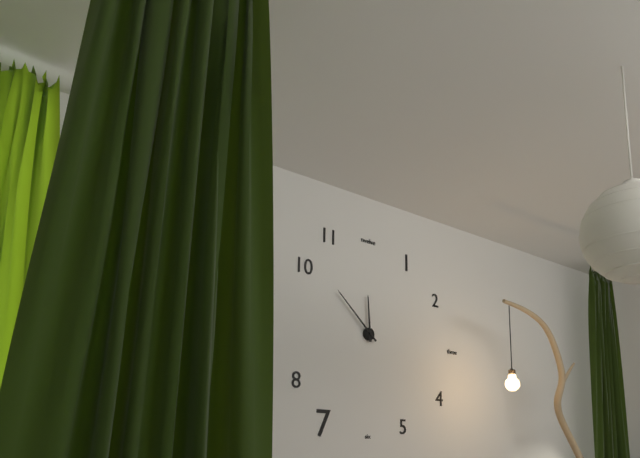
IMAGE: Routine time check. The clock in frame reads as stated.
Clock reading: 11:52
